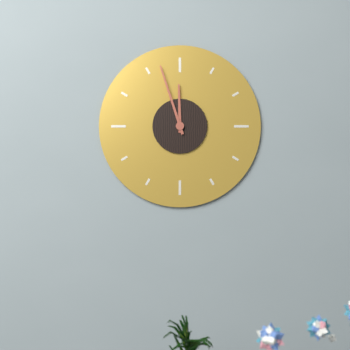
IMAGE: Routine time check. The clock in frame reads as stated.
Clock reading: 11:57
